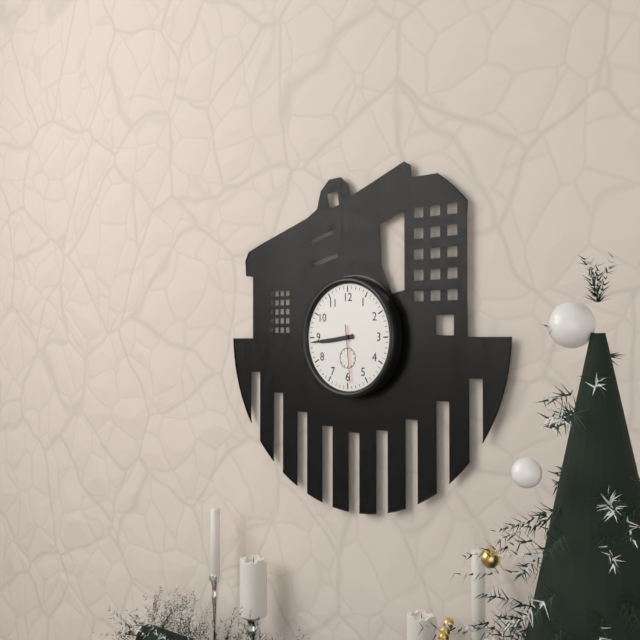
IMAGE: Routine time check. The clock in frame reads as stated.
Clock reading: 8:44:29
